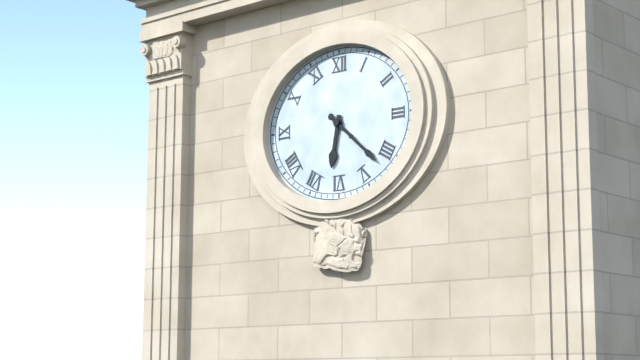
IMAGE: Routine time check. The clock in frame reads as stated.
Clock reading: 6:22
